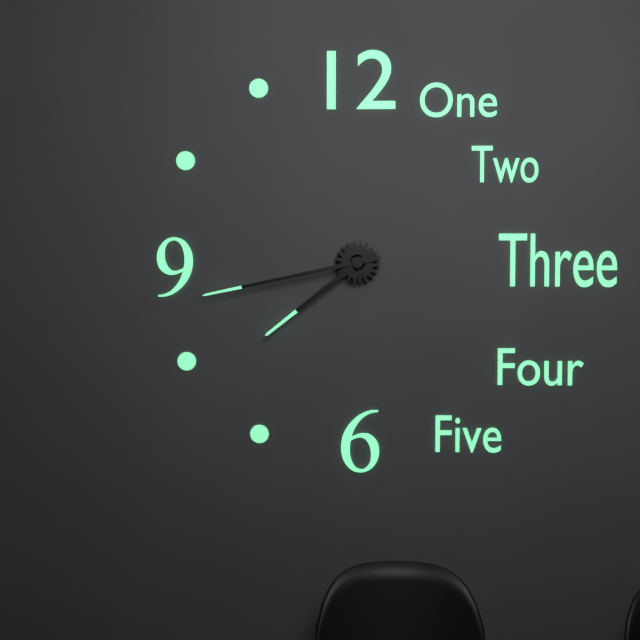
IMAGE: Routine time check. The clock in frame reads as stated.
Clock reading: 7:43
